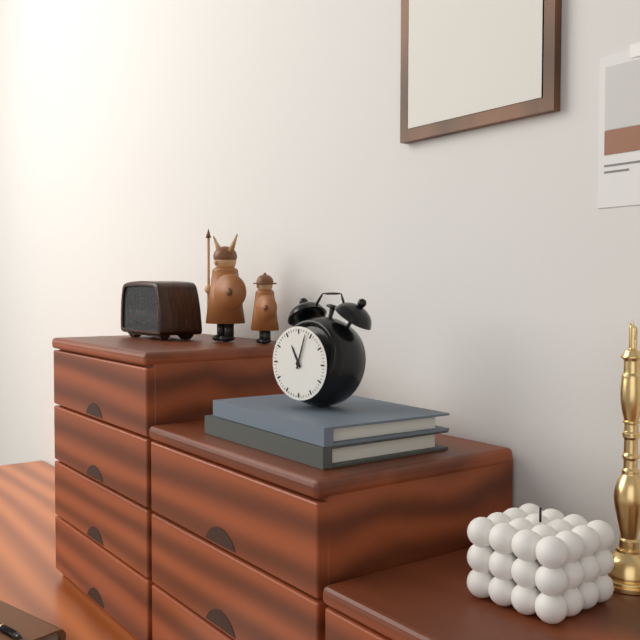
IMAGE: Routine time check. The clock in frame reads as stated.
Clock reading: 11:03
